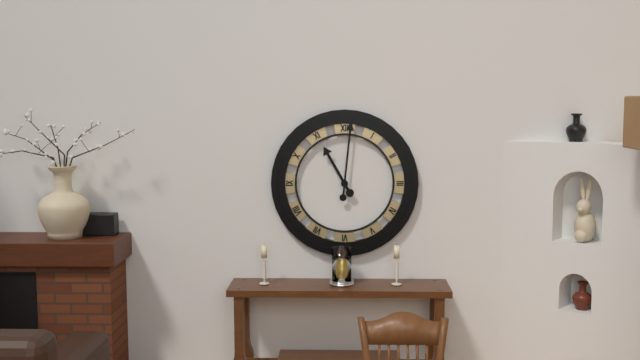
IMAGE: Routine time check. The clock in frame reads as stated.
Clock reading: 11:01
